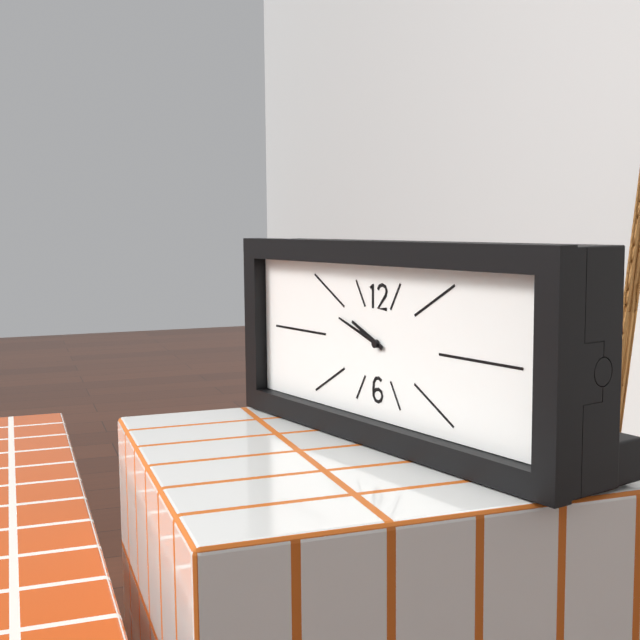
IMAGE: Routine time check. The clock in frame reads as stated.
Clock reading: 9:48
